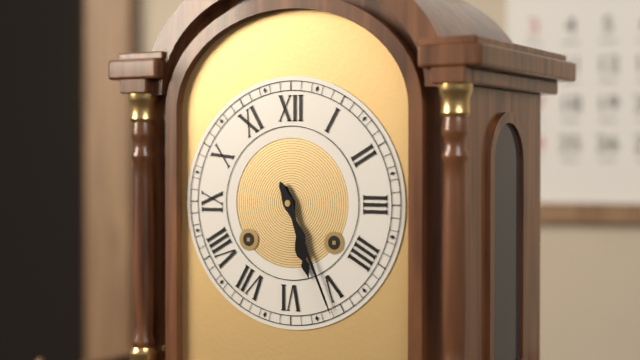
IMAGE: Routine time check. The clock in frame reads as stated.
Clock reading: 5:26
